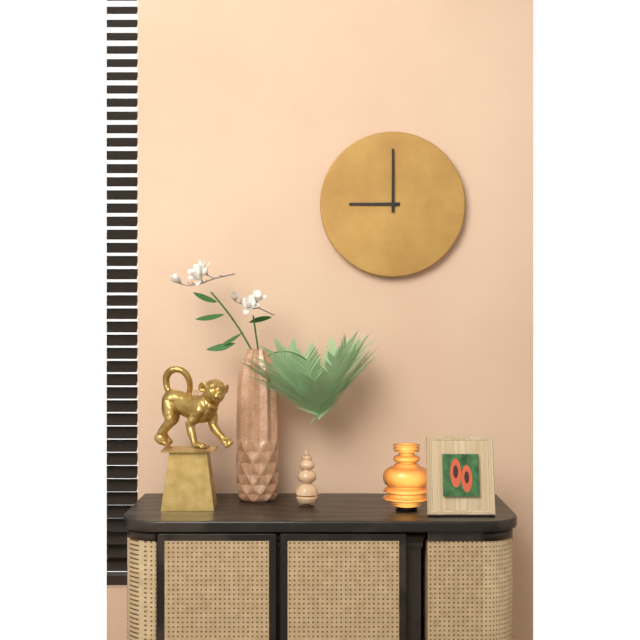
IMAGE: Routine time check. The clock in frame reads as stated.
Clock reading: 9:00
